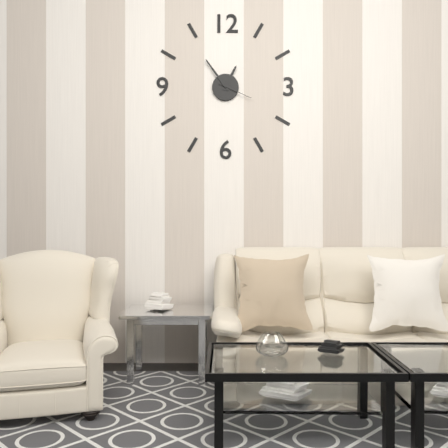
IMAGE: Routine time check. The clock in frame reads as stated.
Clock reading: 12:54
